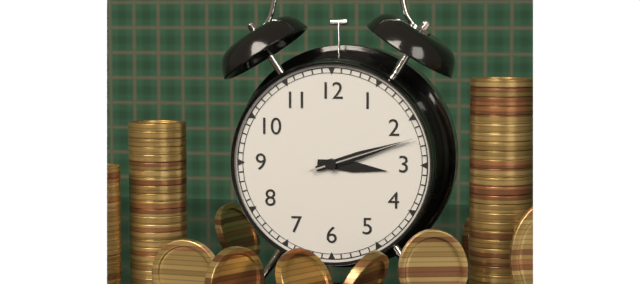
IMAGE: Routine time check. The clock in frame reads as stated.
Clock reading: 3:12:12
